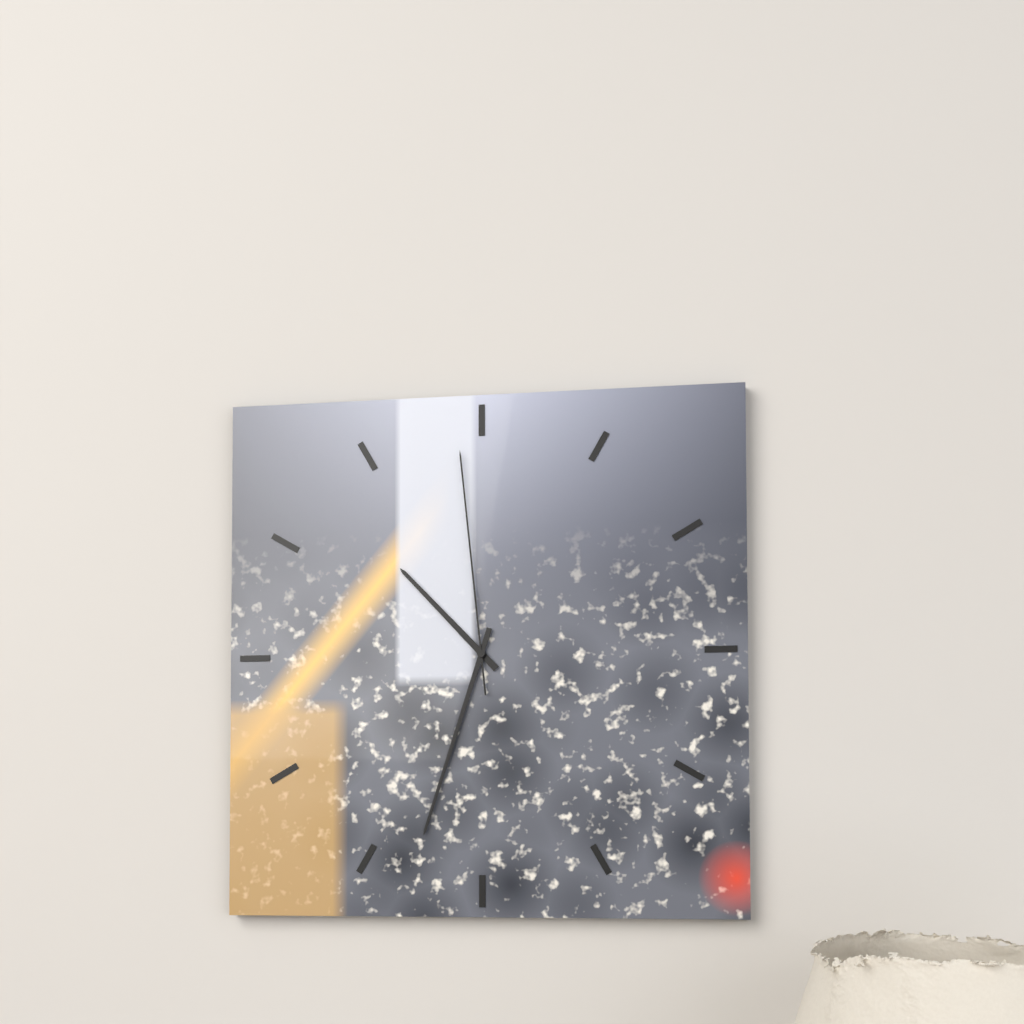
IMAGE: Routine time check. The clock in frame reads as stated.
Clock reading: 10:33:59
